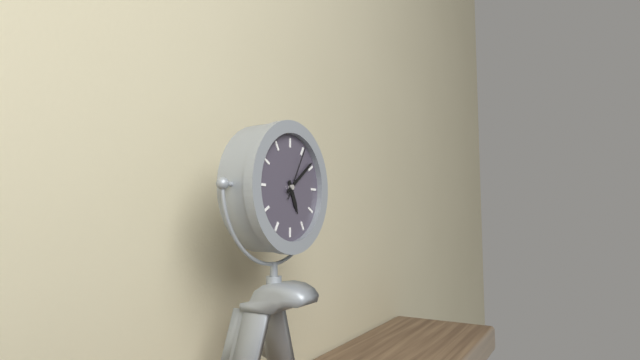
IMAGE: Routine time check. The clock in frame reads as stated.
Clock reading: 5:09:05
